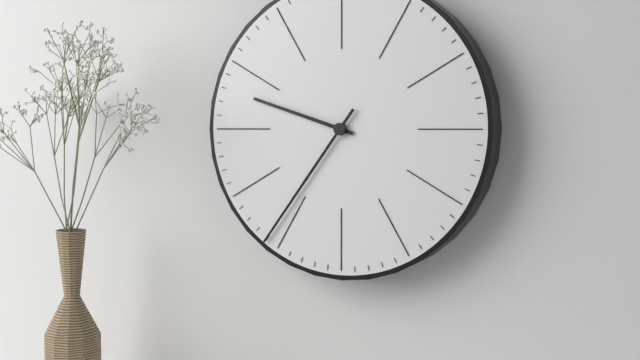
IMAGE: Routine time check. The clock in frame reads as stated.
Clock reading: 9:36
